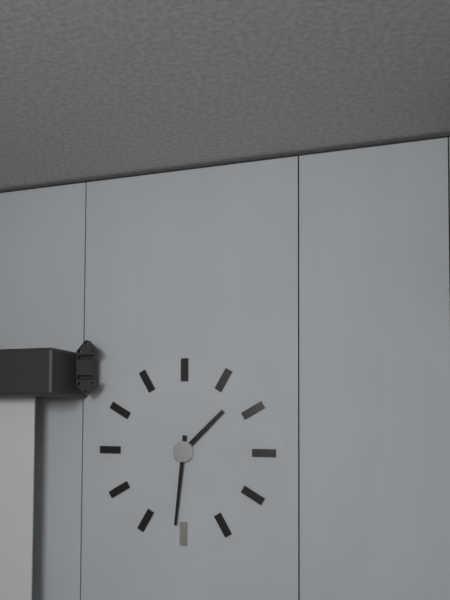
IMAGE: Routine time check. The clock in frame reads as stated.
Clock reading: 1:31
